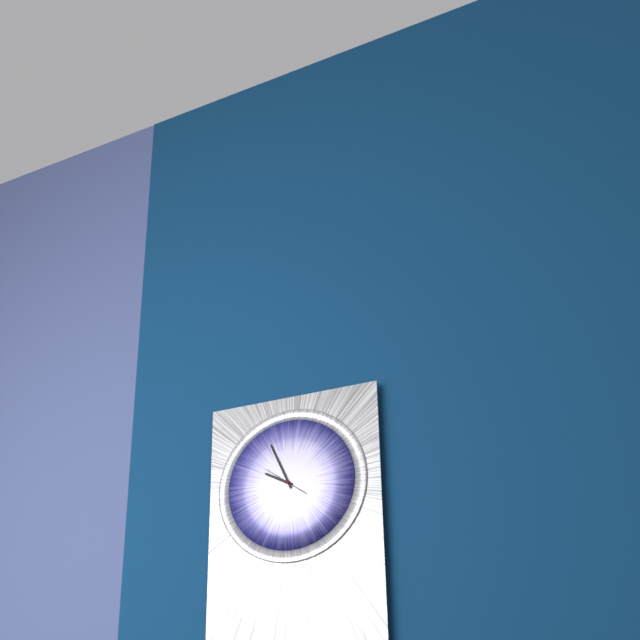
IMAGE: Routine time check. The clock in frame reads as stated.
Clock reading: 9:56
